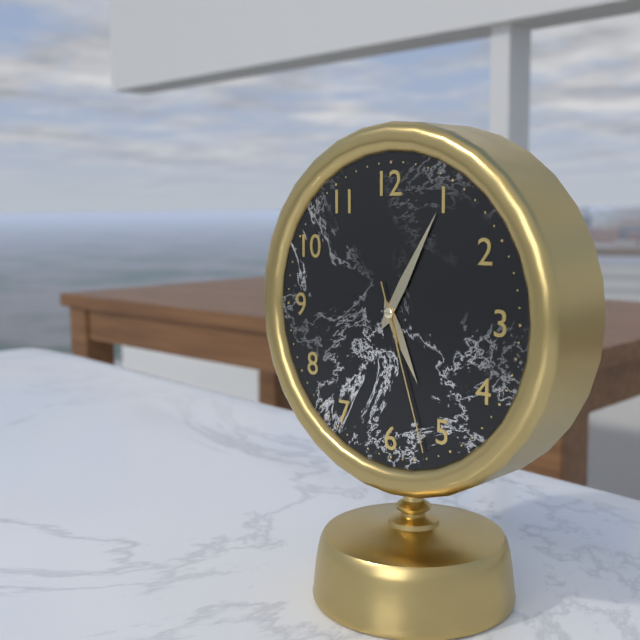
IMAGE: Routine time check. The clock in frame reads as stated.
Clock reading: 5:05:27
